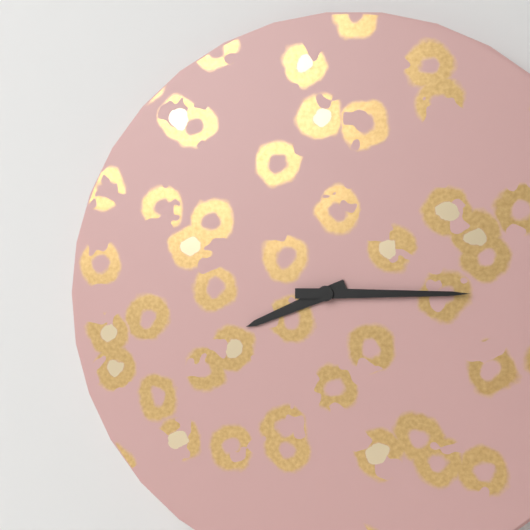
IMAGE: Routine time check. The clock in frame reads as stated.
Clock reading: 8:15
